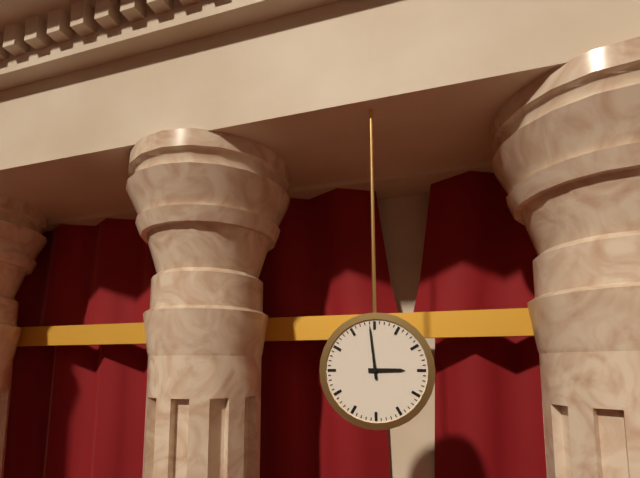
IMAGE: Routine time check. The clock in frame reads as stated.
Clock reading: 2:59
